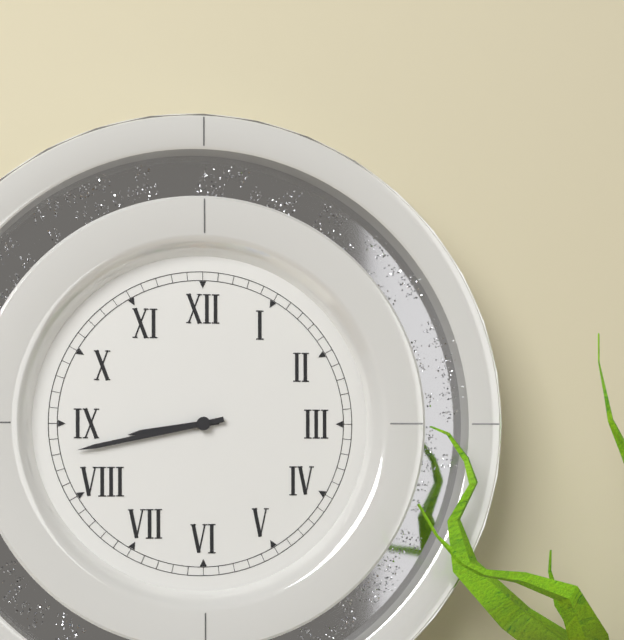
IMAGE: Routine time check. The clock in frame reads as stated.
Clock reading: 8:43
